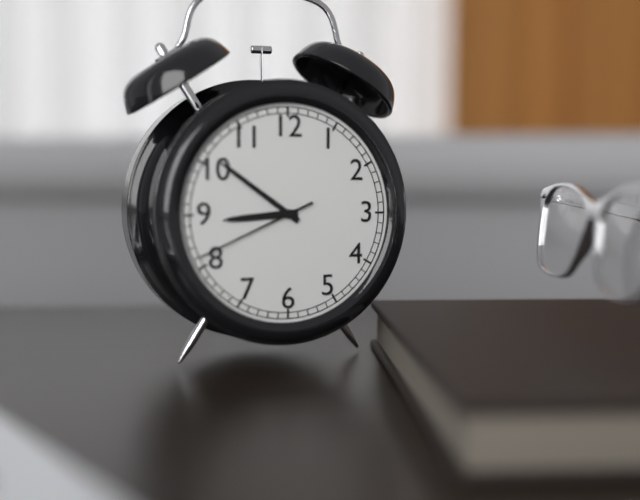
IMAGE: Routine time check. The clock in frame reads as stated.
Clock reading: 8:51:41
